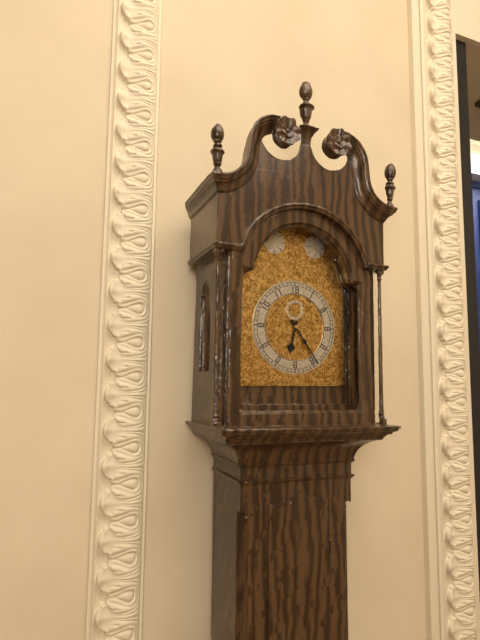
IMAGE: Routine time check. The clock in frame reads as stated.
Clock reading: 6:24
